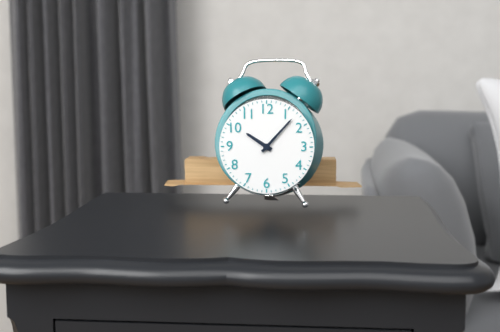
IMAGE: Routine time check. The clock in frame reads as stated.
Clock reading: 10:07
